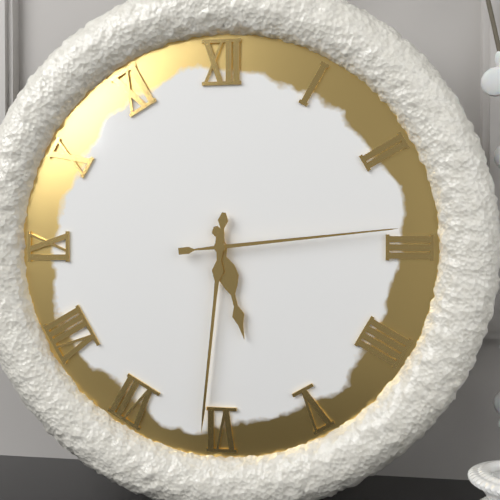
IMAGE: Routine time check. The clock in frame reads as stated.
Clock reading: 5:31:14
